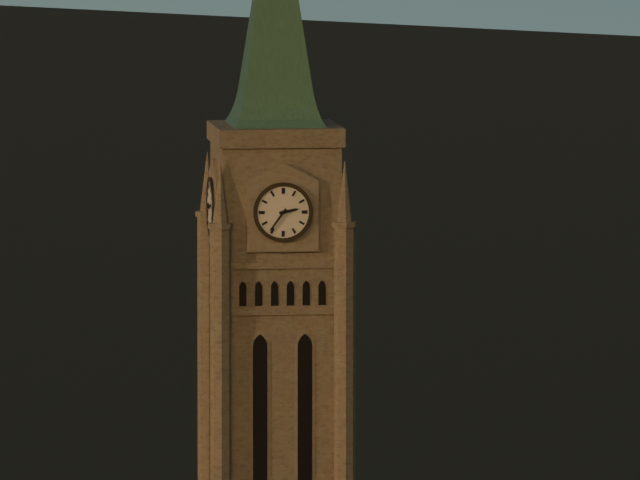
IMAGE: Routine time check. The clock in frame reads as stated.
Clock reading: 2:36
